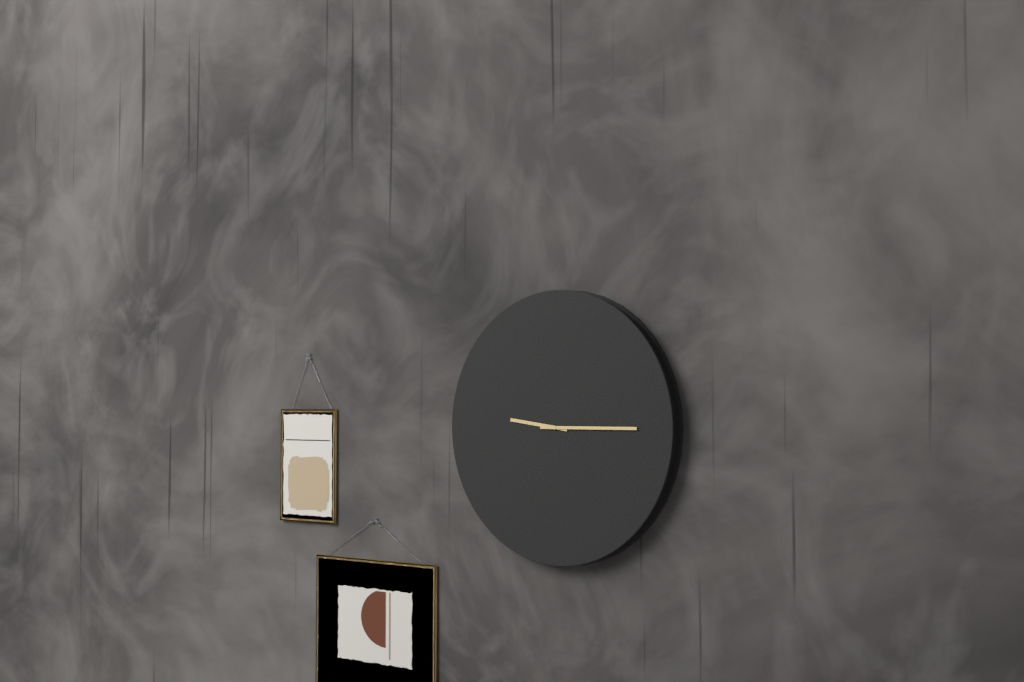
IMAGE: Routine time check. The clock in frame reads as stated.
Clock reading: 9:15
